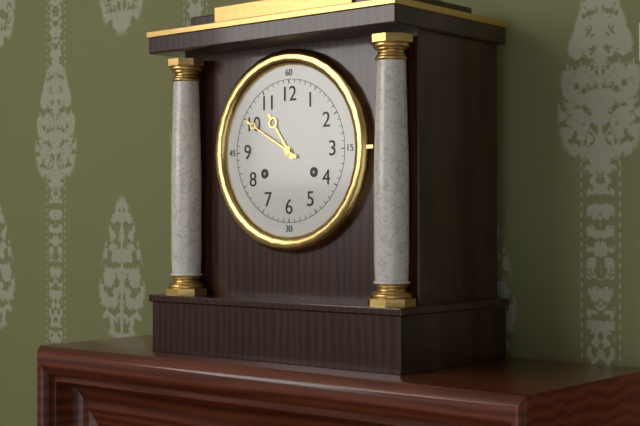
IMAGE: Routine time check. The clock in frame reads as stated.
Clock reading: 10:50
